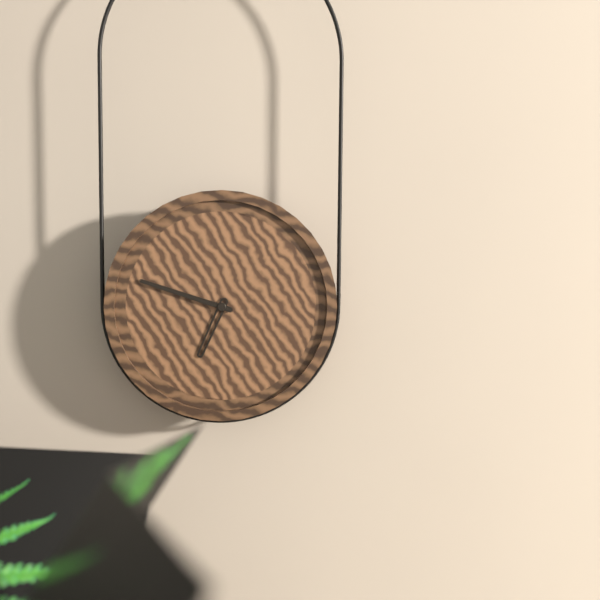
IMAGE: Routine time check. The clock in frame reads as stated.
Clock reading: 6:48
